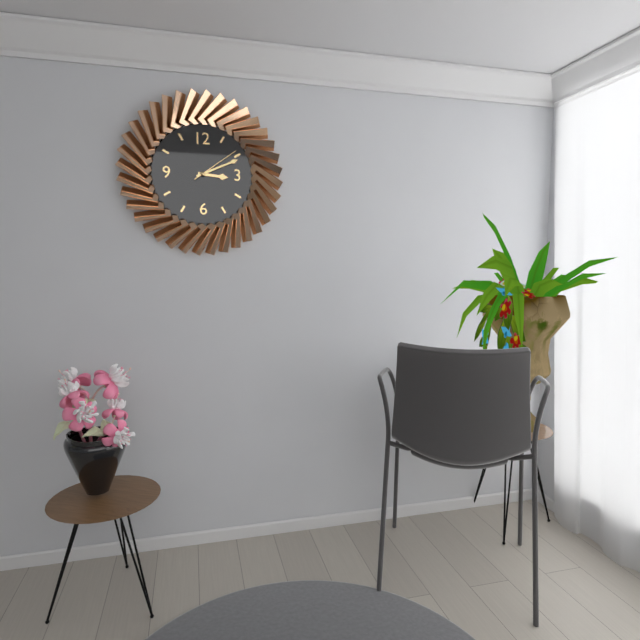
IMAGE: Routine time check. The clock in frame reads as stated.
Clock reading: 3:11:09
